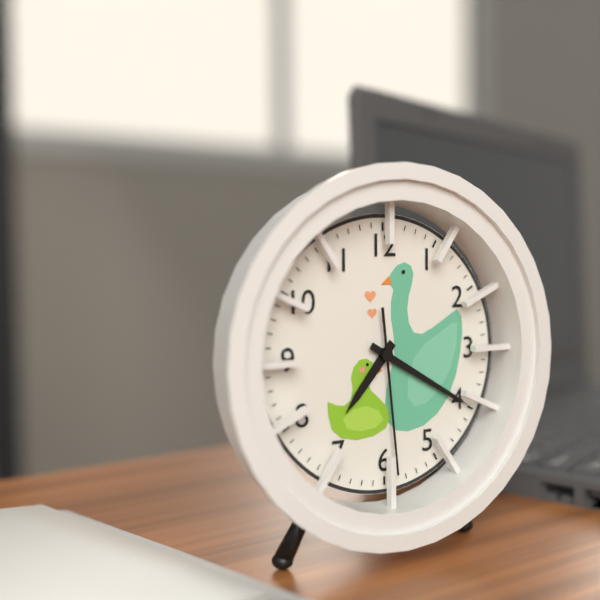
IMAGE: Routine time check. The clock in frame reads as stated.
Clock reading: 7:20:29
